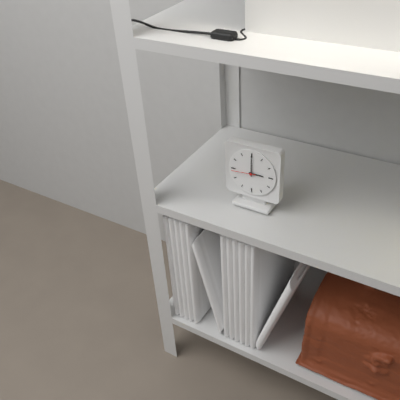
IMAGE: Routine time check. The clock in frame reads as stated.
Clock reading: 3:00
